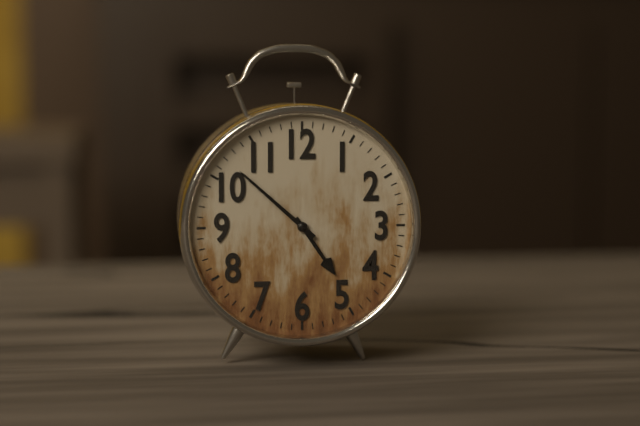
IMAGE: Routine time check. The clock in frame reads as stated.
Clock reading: 4:52
